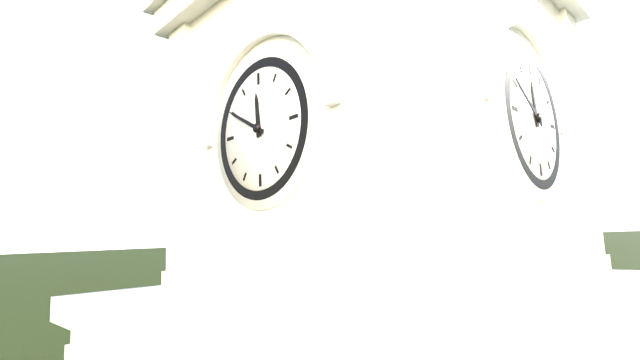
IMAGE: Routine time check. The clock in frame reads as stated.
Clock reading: 11:50
